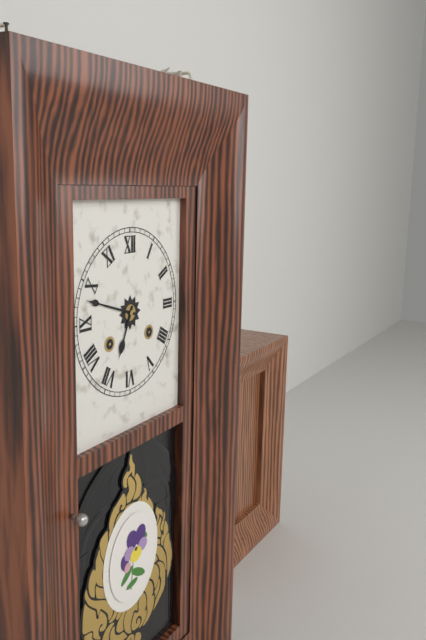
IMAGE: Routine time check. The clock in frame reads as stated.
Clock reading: 6:48
